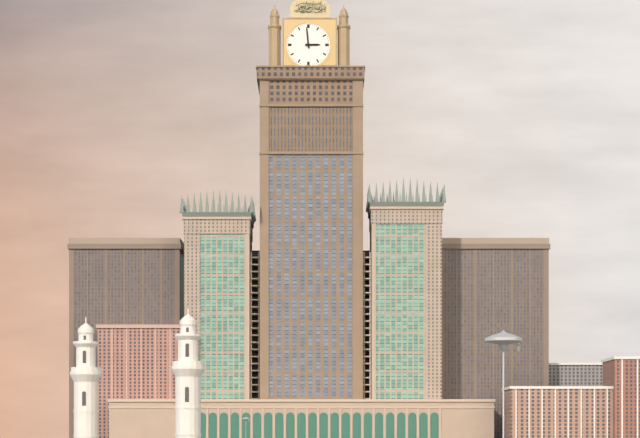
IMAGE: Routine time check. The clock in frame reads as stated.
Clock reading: 2:59
